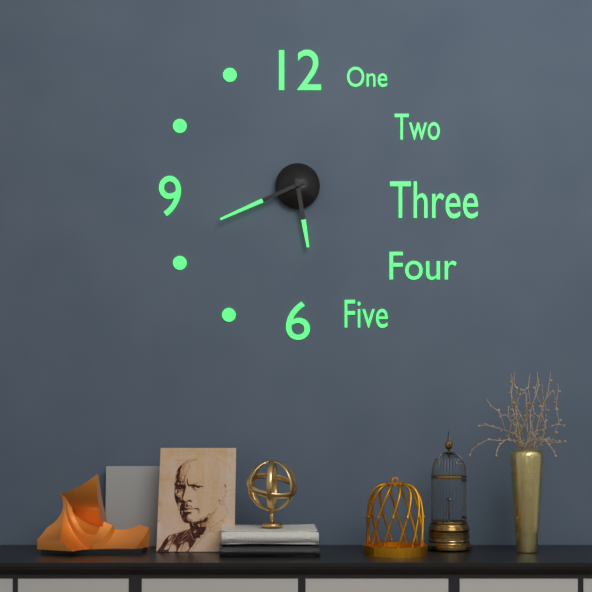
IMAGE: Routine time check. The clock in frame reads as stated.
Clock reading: 5:41
